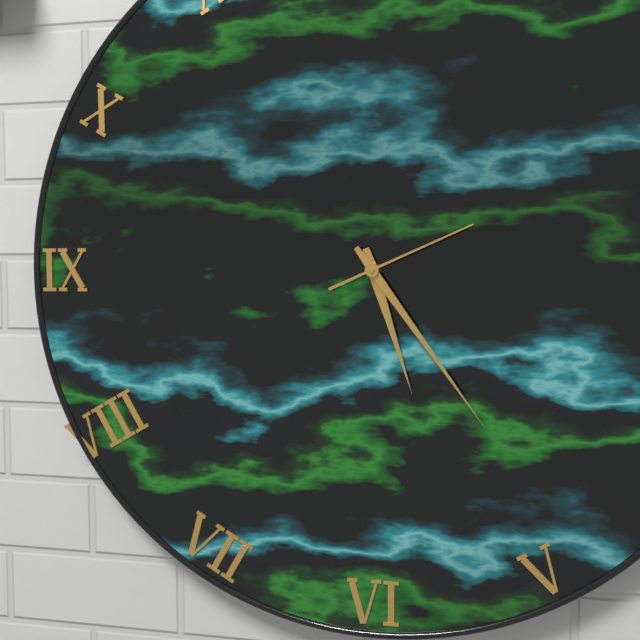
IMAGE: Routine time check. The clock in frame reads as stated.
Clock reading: 5:24:11
